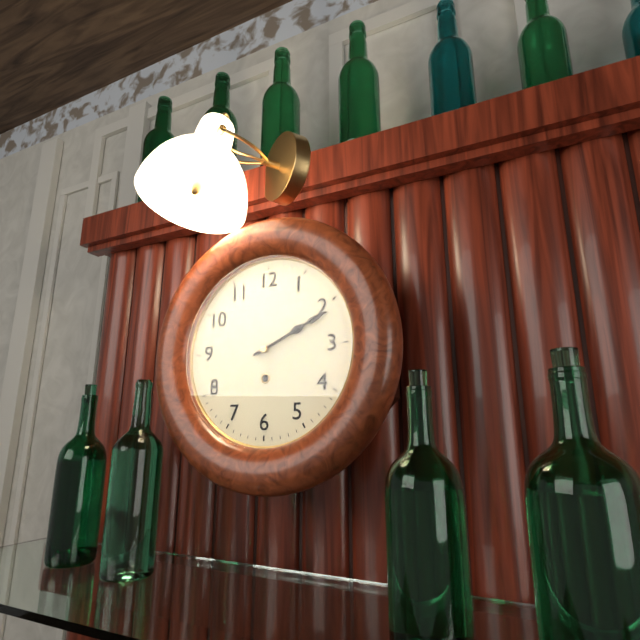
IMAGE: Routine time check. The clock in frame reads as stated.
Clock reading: 2:11
